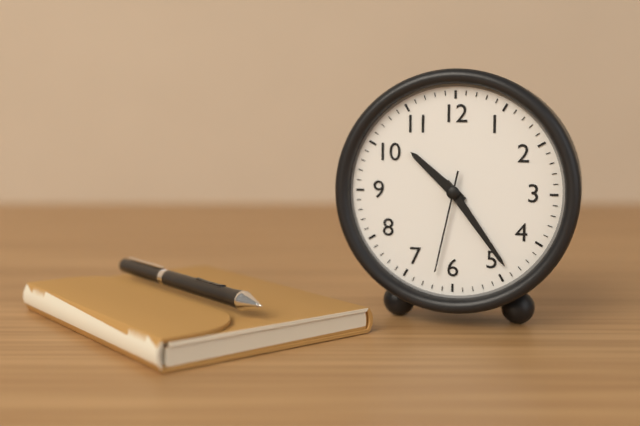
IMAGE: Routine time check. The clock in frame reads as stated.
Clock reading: 10:24:32
